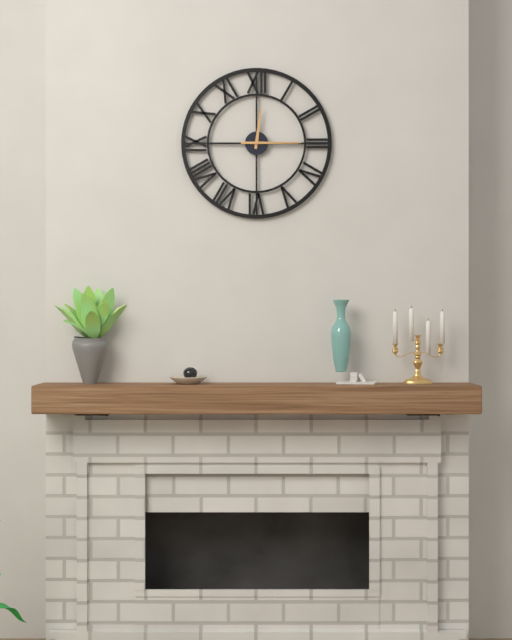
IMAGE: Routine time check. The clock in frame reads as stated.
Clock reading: 12:15
